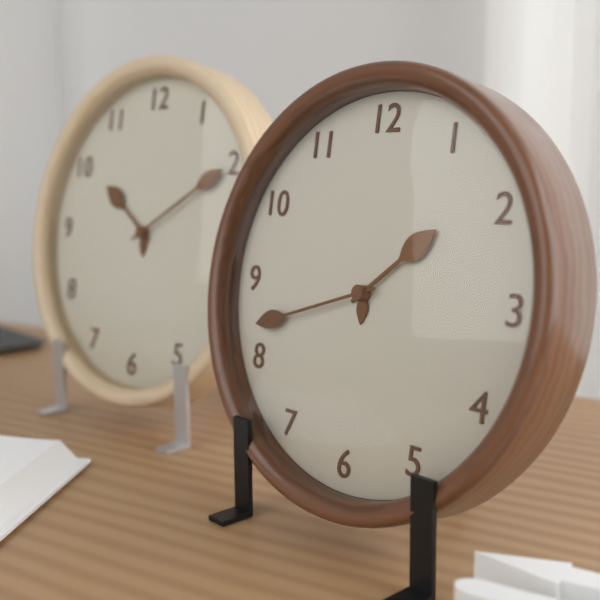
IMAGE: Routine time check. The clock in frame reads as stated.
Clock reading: 1:42
